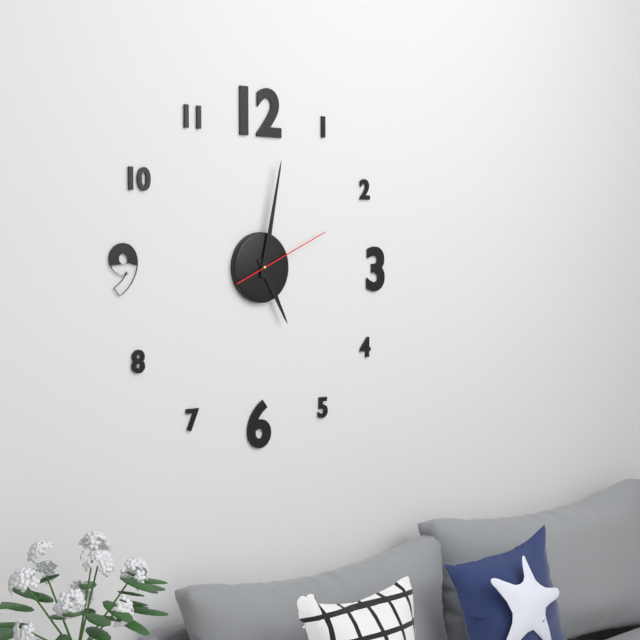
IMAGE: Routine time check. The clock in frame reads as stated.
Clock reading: 5:02:11
